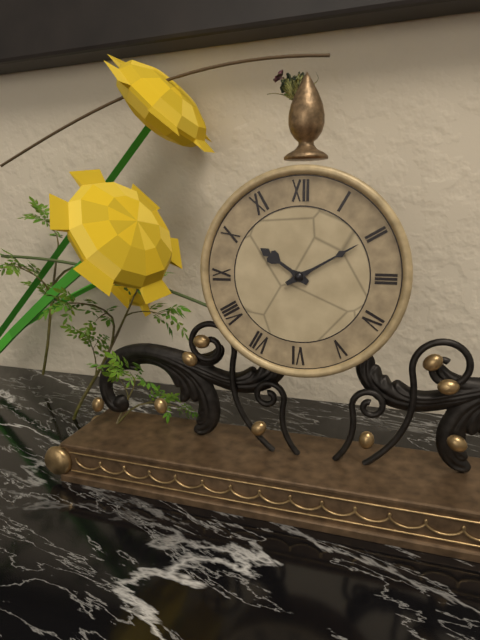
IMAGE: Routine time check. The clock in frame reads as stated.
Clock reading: 10:10
